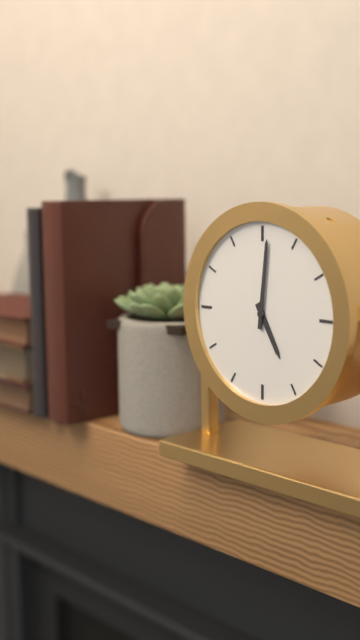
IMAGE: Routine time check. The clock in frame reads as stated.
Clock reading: 5:01
